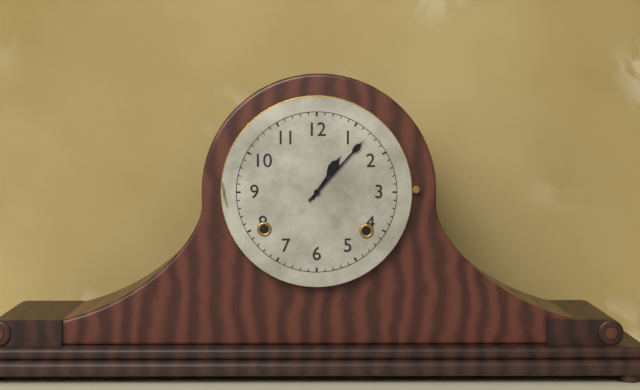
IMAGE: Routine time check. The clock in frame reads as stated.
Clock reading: 1:07
